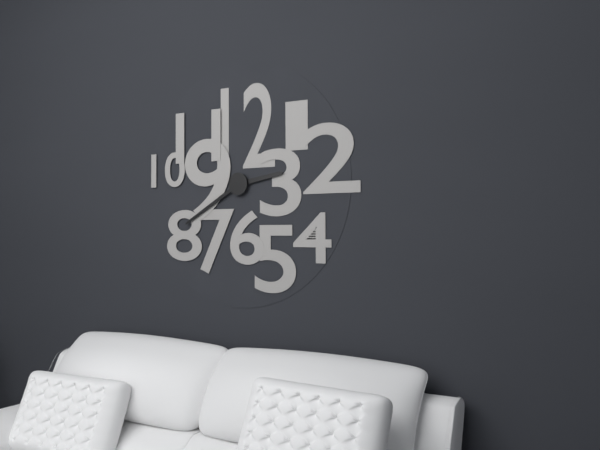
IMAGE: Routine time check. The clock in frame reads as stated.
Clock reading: 2:40
